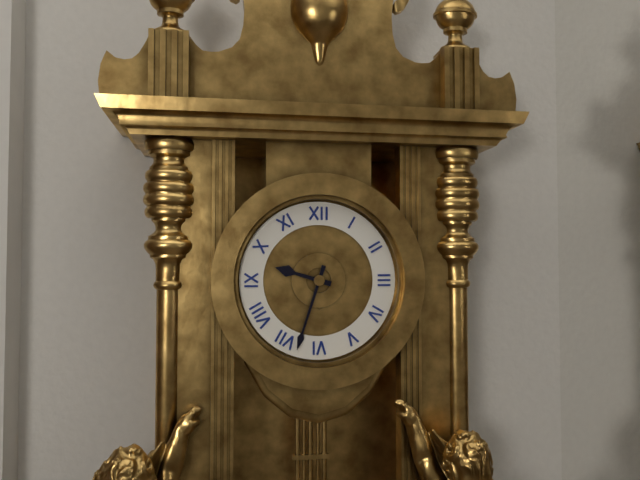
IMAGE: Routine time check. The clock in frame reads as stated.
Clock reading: 9:33
